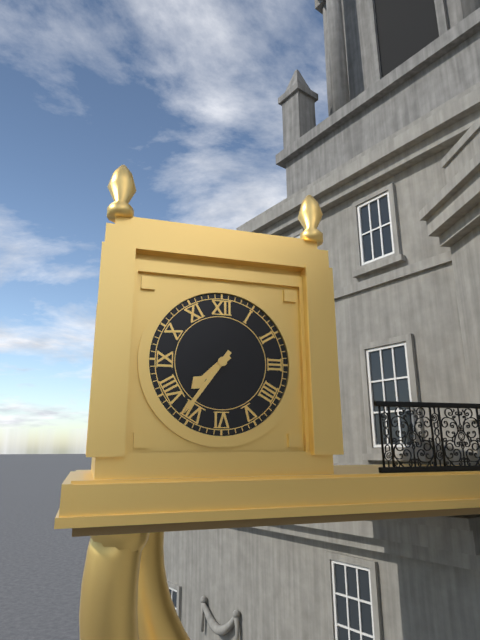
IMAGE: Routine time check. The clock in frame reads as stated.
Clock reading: 7:36
